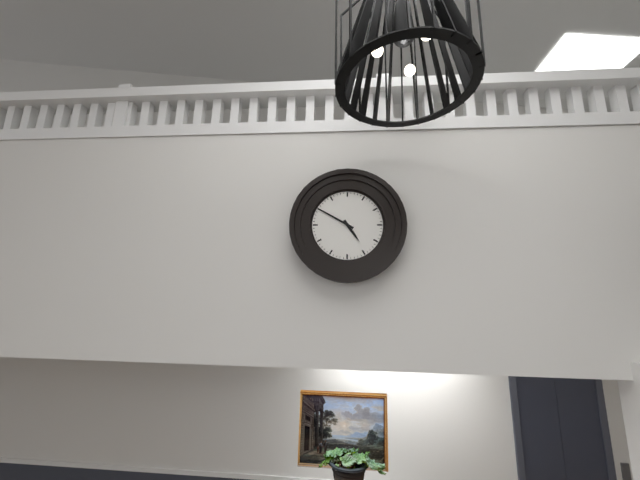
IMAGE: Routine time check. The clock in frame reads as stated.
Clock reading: 4:50
